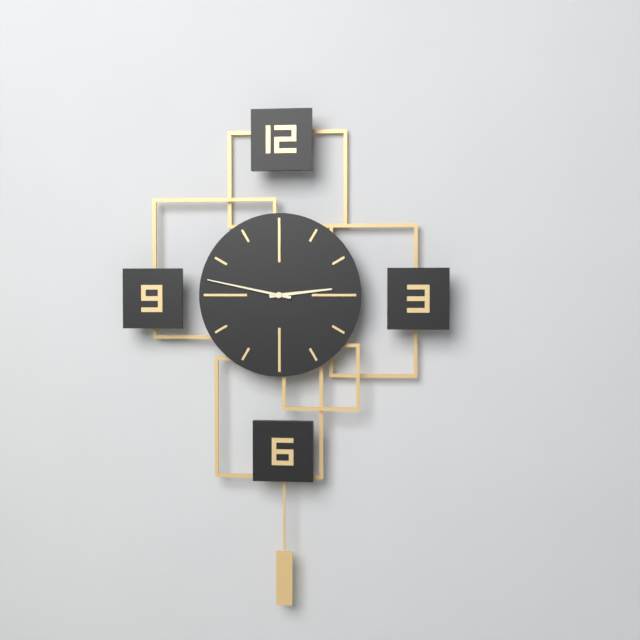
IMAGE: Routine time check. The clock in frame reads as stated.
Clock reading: 2:47
